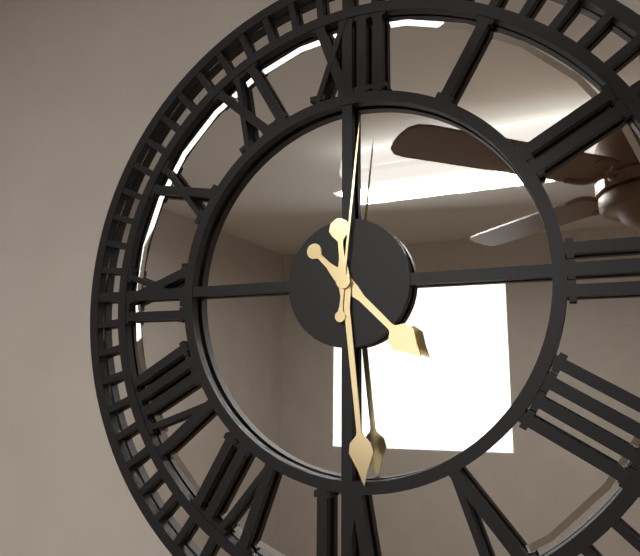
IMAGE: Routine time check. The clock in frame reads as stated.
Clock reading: 4:29:01
